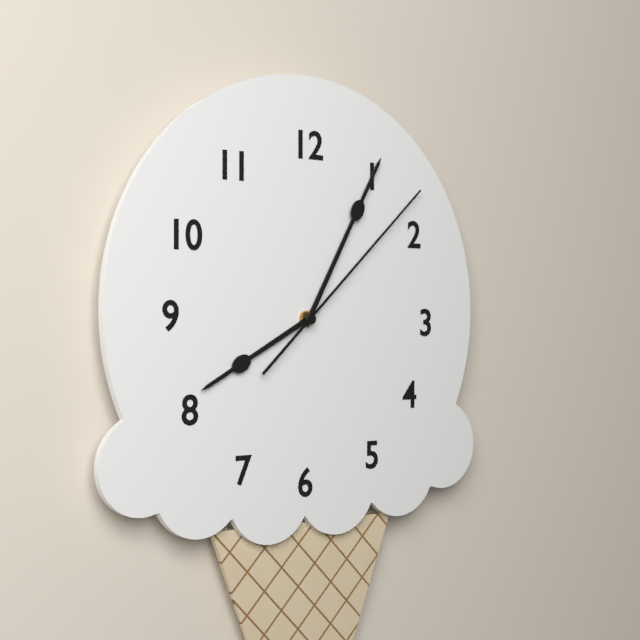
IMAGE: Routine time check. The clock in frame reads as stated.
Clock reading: 8:05:08
